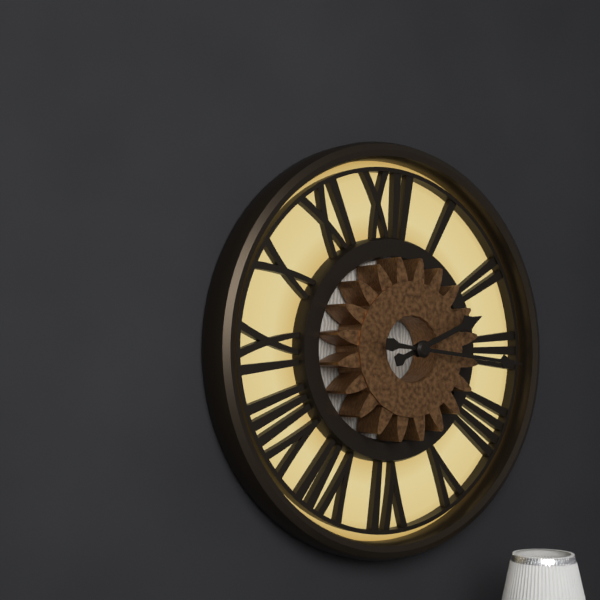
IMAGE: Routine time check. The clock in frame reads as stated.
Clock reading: 2:16
